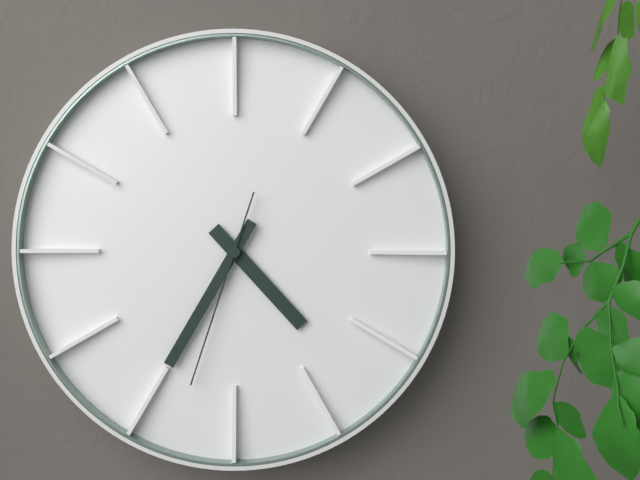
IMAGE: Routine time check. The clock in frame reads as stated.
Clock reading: 4:35:33
